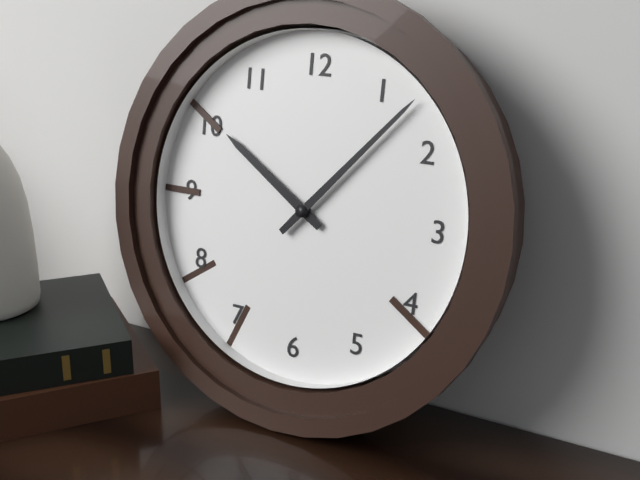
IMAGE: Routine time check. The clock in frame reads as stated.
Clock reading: 10:07
